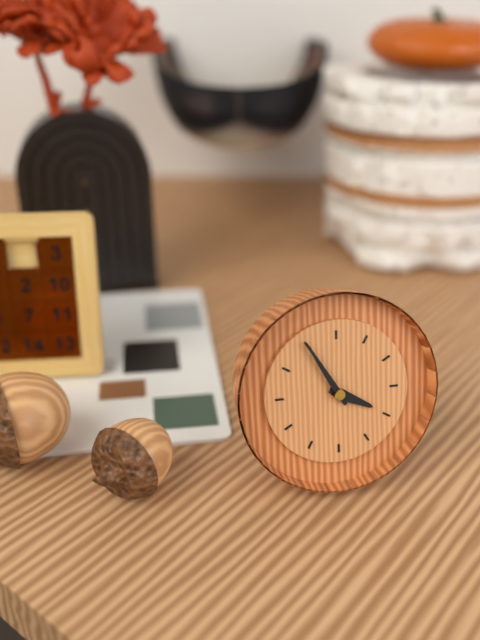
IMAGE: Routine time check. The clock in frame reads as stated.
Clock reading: 3:55
